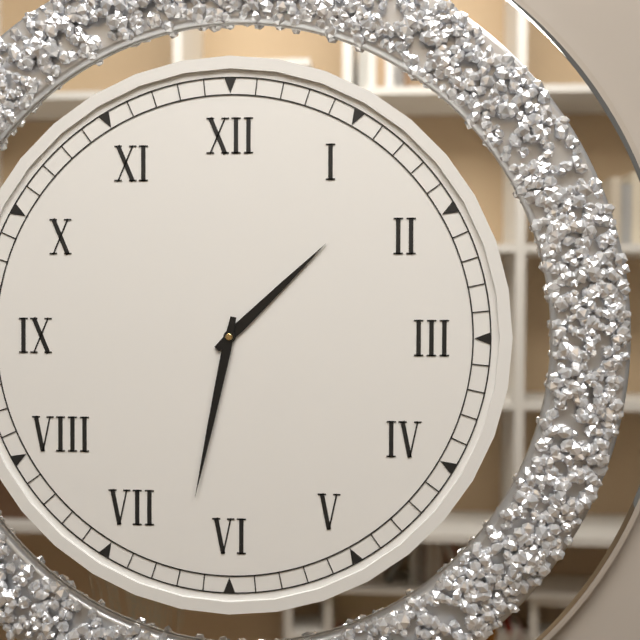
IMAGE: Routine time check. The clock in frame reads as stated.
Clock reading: 1:32
